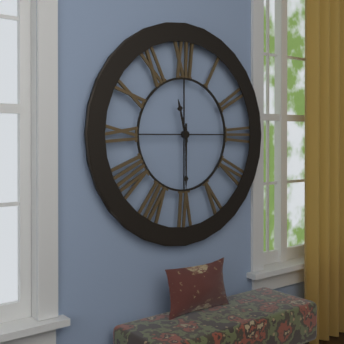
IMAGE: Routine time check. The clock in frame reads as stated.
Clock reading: 11:30
